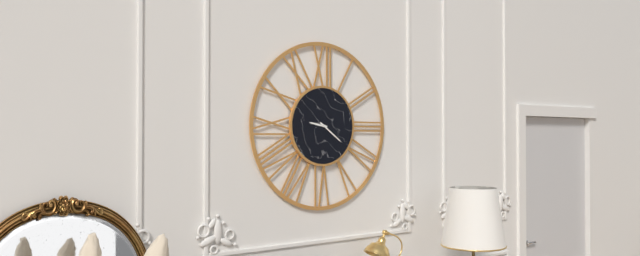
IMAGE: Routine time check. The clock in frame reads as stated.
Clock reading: 9:21
